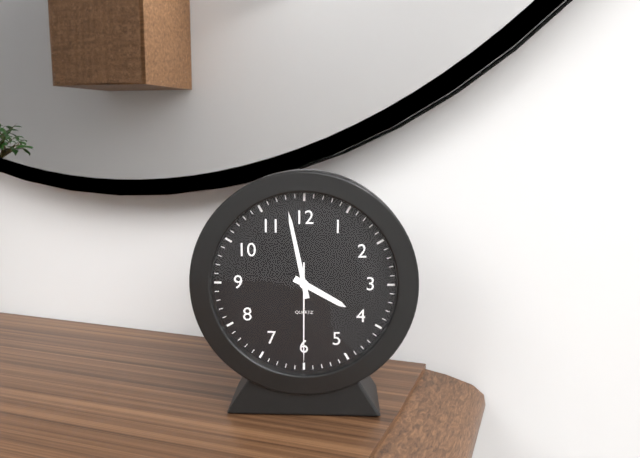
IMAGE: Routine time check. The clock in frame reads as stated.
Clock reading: 3:58:30
